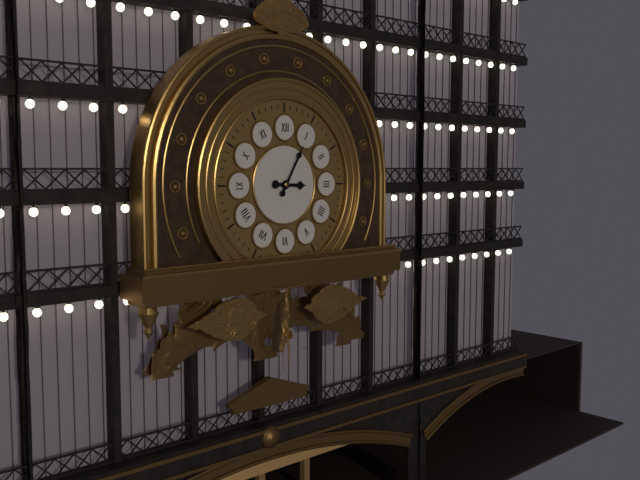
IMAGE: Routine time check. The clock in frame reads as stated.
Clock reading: 3:05
